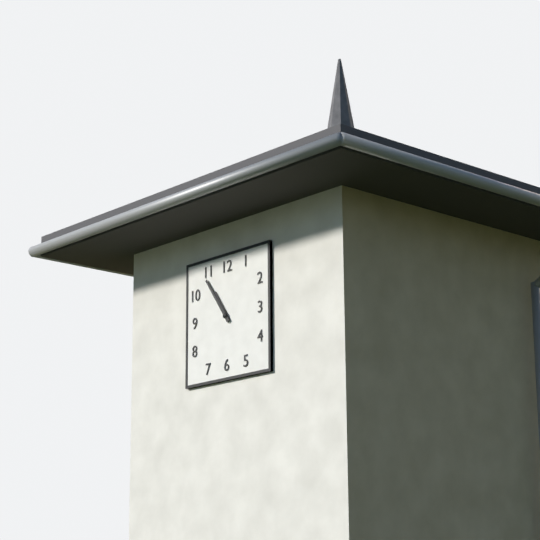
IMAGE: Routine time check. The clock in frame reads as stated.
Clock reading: 10:54
